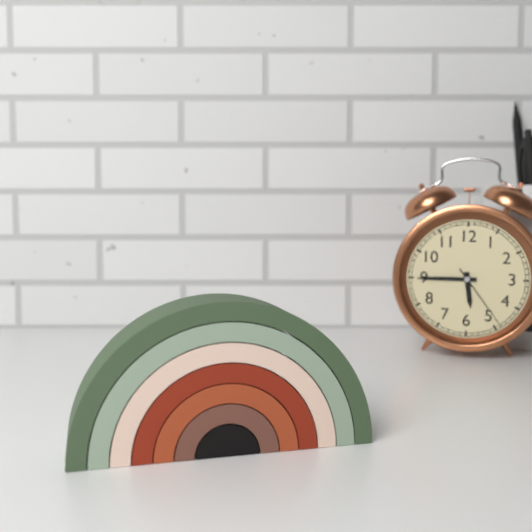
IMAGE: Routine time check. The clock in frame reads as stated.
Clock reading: 5:45:24
